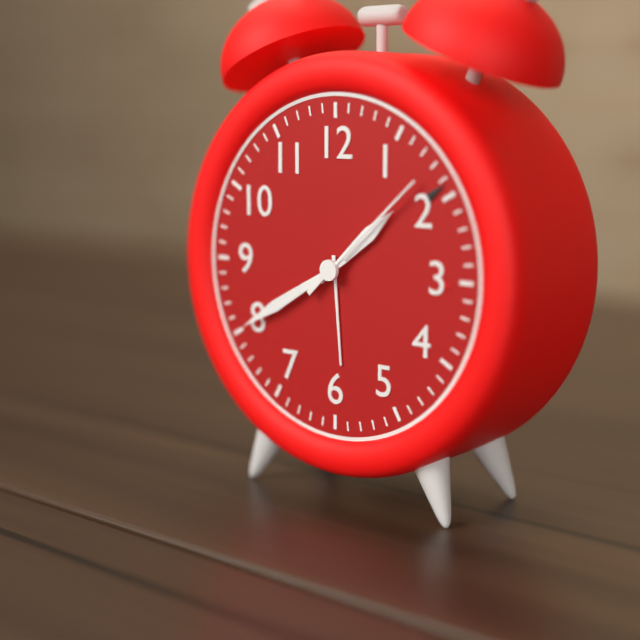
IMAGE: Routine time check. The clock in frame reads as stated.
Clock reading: 1:40:08
